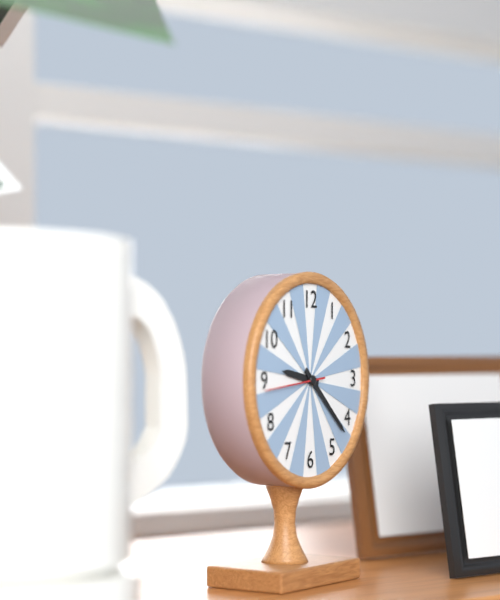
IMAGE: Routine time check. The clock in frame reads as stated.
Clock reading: 9:22
